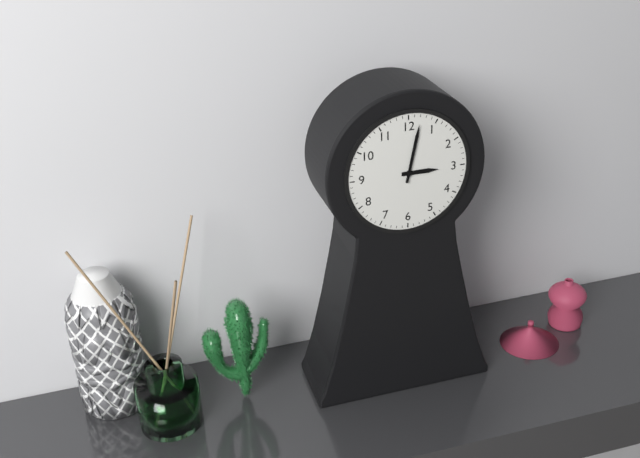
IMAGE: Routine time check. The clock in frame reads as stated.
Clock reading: 3:02
